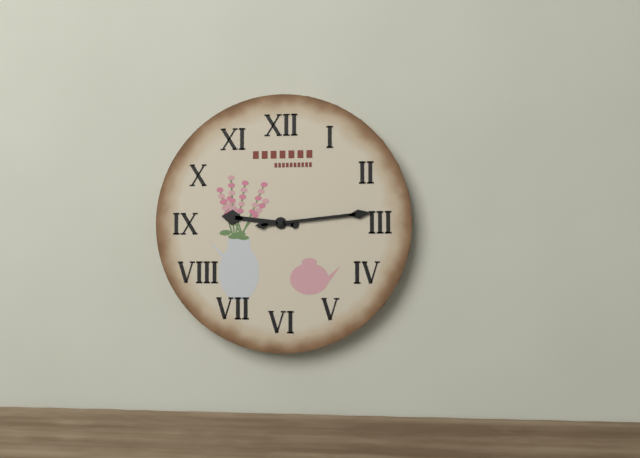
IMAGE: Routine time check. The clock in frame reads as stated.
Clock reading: 9:14
